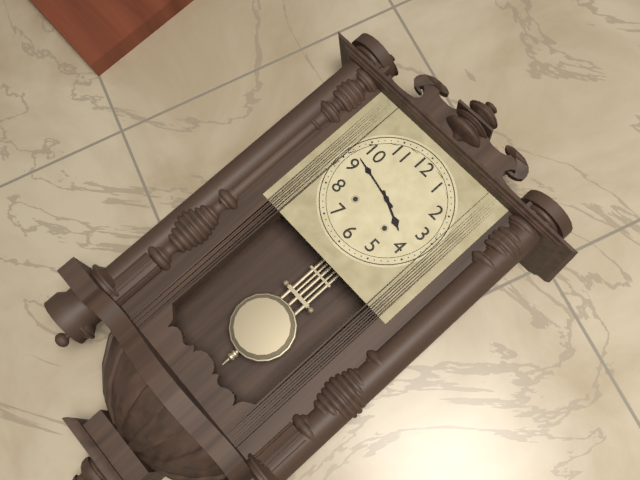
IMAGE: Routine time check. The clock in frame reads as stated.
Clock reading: 3:47
